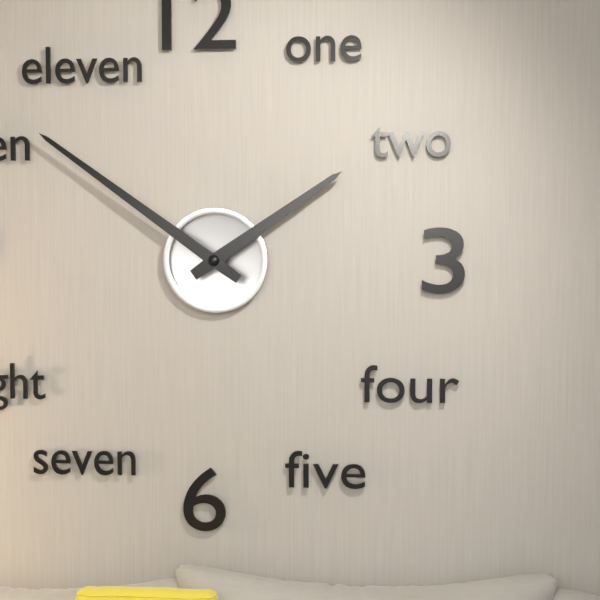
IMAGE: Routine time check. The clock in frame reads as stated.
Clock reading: 1:51
